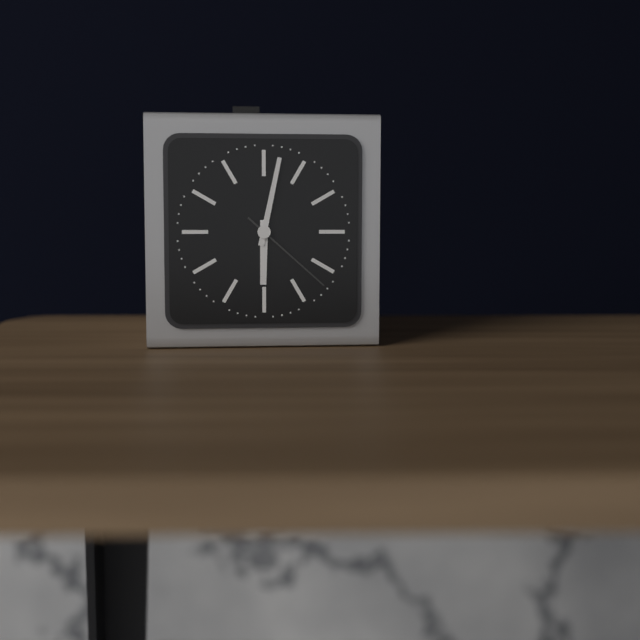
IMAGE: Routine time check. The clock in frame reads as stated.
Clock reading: 6:02:22
